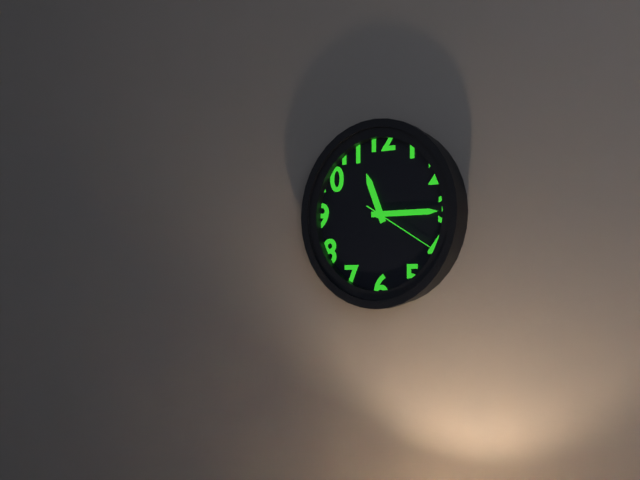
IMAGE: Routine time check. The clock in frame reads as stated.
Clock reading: 11:15:20
